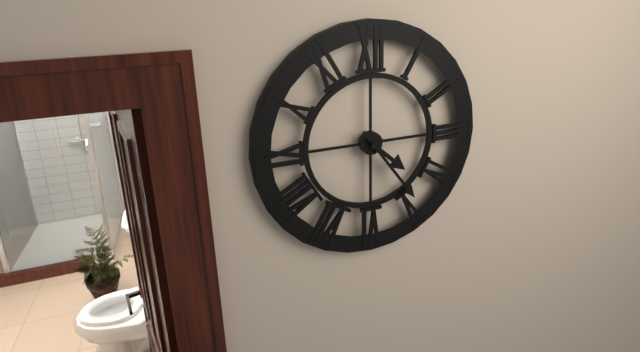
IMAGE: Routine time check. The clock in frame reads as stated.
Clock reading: 4:24
